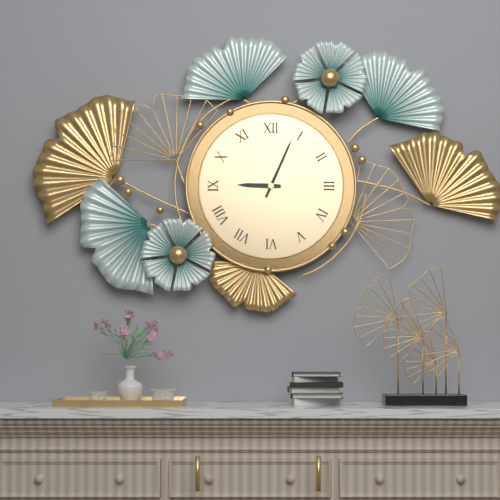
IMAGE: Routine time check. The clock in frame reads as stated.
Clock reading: 9:04
